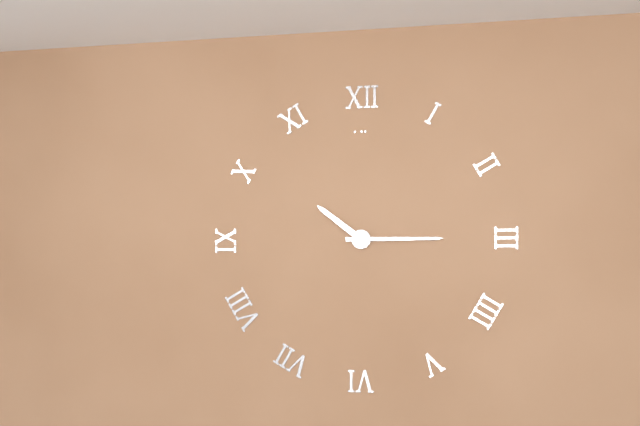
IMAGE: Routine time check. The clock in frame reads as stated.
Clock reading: 10:15
